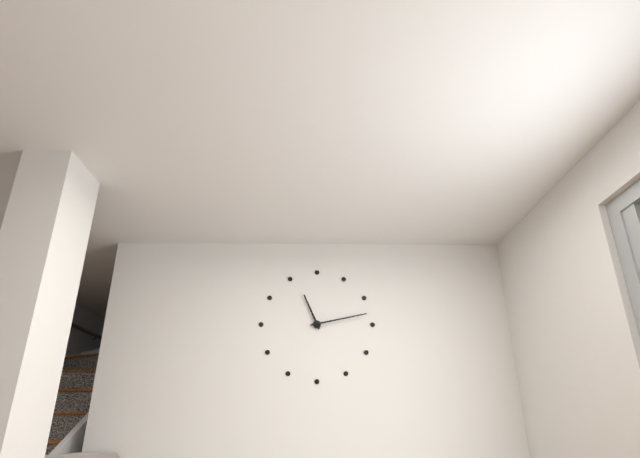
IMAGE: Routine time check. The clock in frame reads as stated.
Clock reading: 11:13
